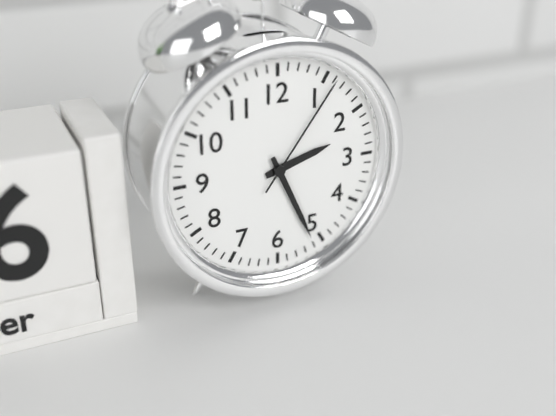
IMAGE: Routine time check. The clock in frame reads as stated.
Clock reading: 2:26:06
